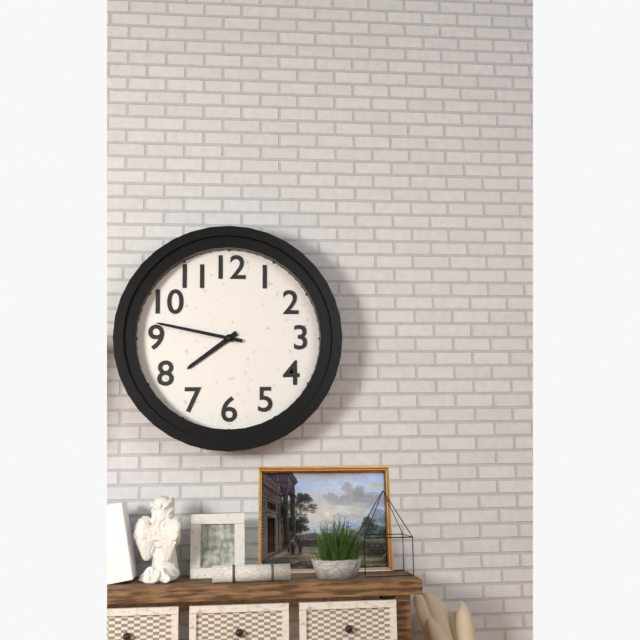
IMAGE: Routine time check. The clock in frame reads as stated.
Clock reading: 7:47
